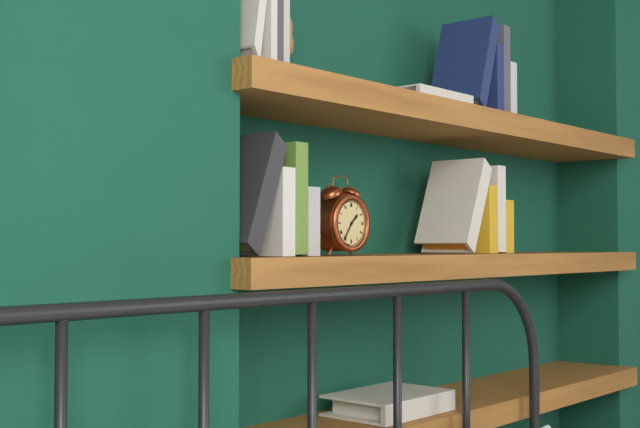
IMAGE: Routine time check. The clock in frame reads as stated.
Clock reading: 1:36
